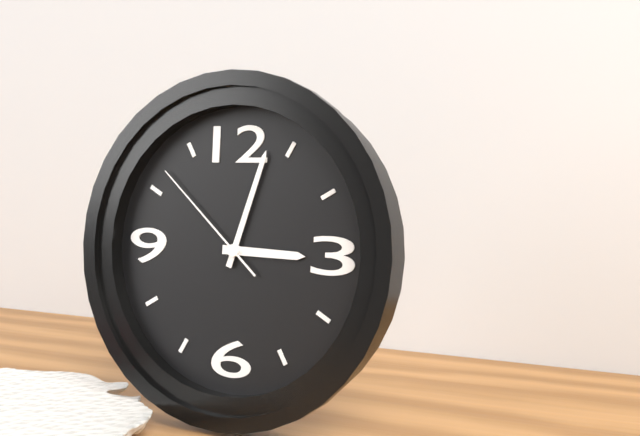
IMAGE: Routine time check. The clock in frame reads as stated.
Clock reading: 3:03:52
